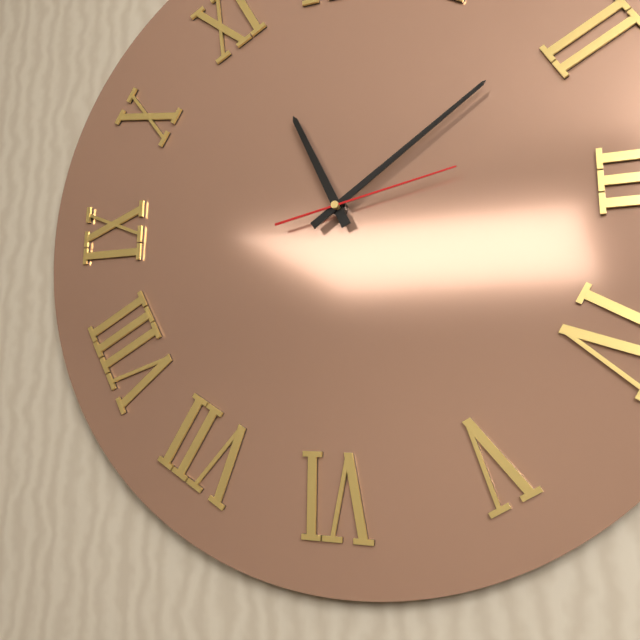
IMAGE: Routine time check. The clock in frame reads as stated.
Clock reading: 11:09:13
